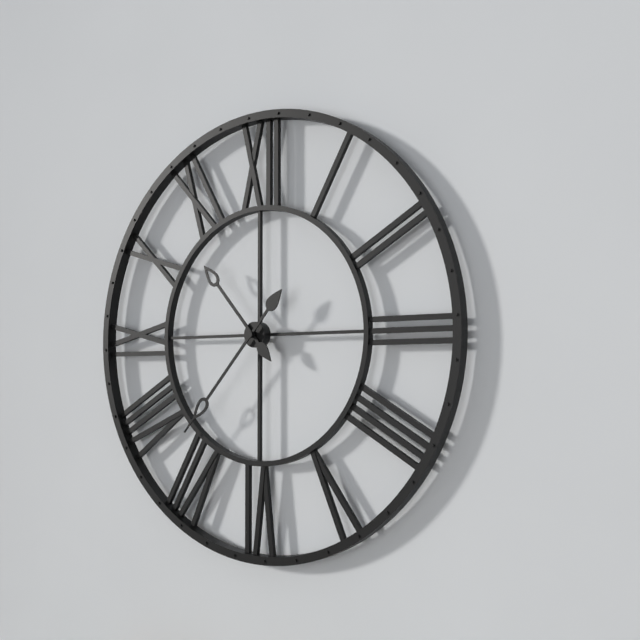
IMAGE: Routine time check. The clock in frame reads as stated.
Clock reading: 10:37
